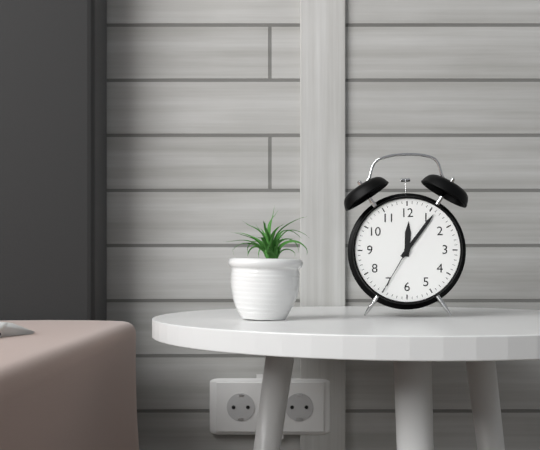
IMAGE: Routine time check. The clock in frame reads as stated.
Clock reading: 12:06:35
